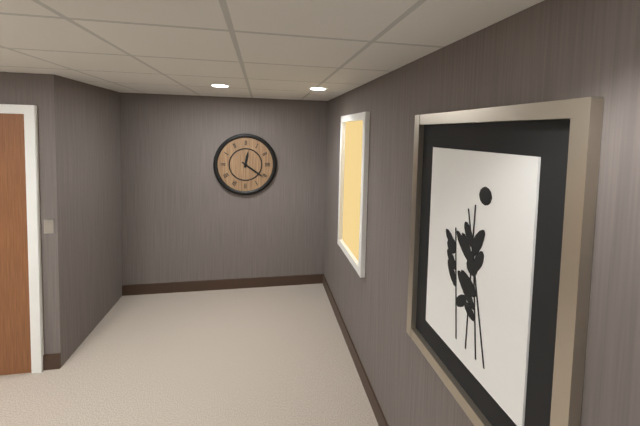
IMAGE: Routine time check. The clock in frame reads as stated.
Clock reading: 12:21
